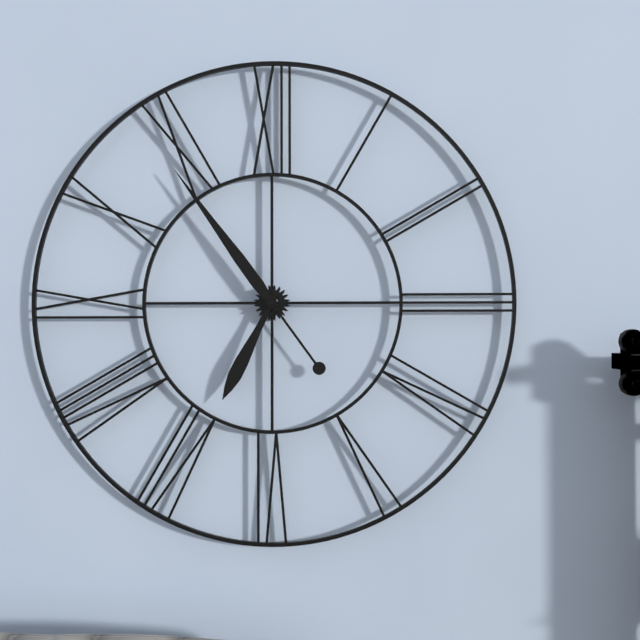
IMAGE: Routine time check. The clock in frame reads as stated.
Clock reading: 6:54
